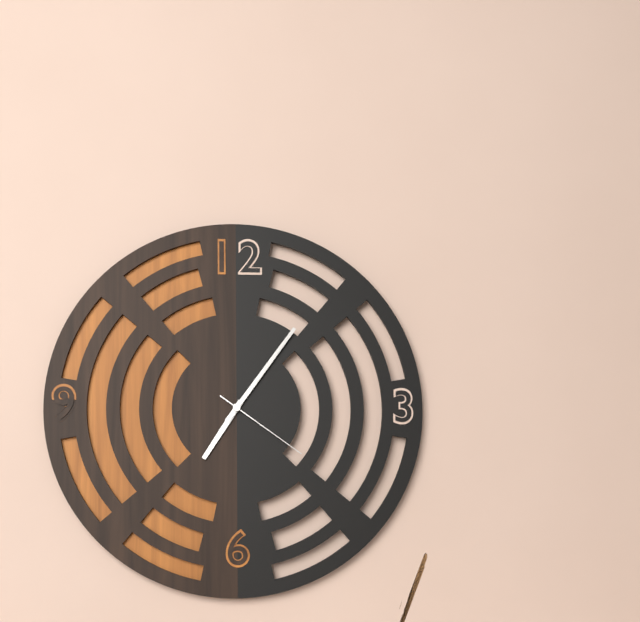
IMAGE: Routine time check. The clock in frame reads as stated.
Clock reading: 7:06:21
